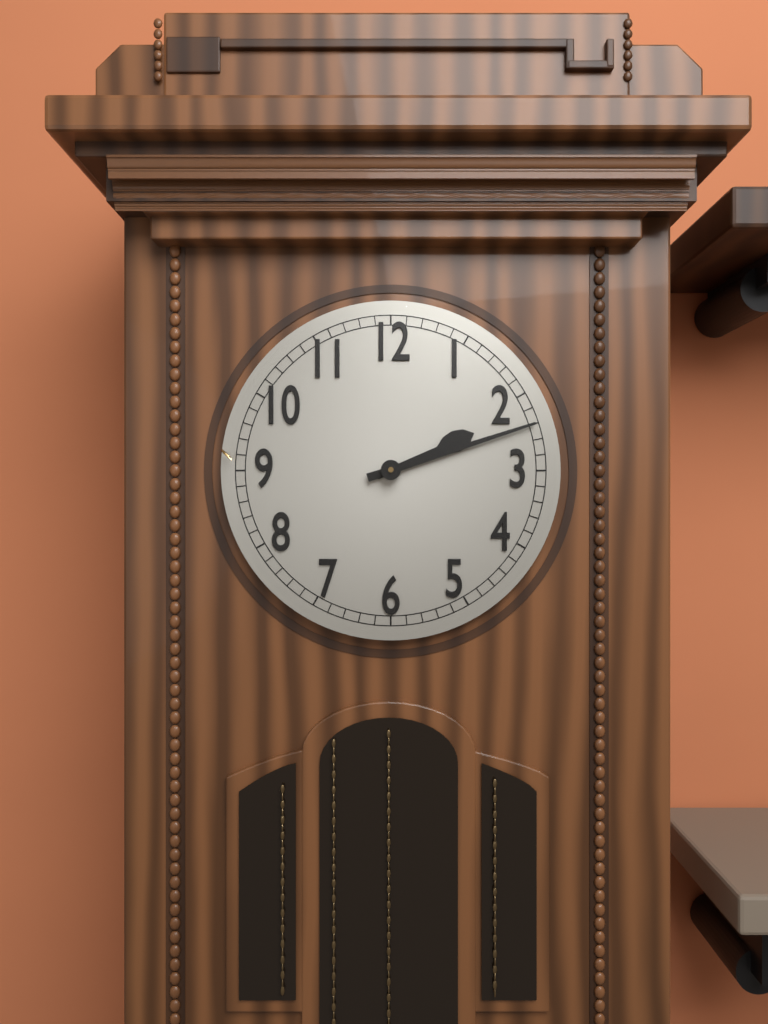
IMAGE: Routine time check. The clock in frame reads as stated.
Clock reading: 2:12
